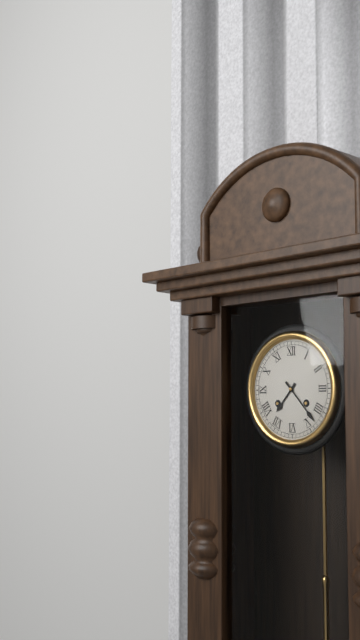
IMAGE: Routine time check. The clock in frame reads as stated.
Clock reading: 7:23
